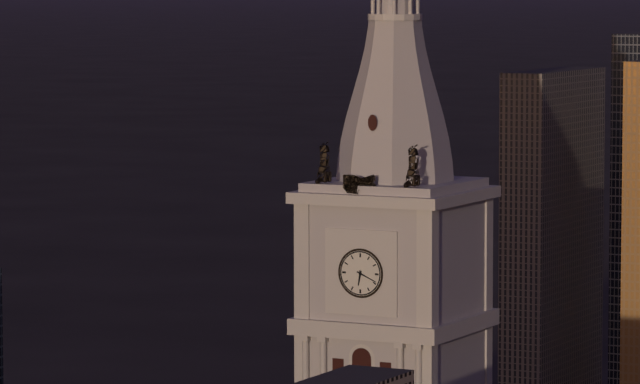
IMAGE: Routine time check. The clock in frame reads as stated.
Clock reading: 6:19
